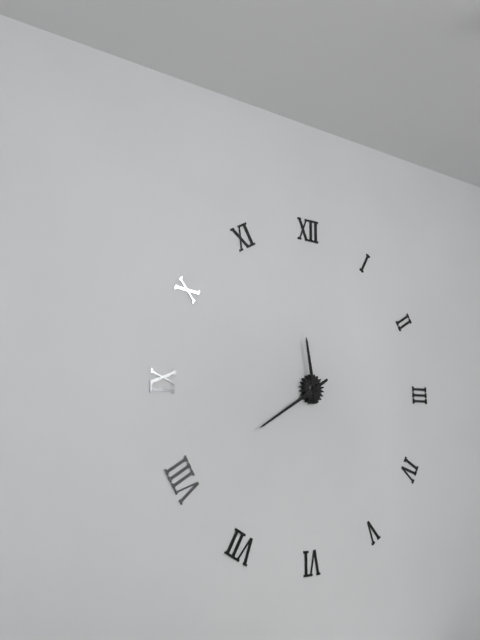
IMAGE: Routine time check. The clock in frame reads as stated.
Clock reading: 11:40
